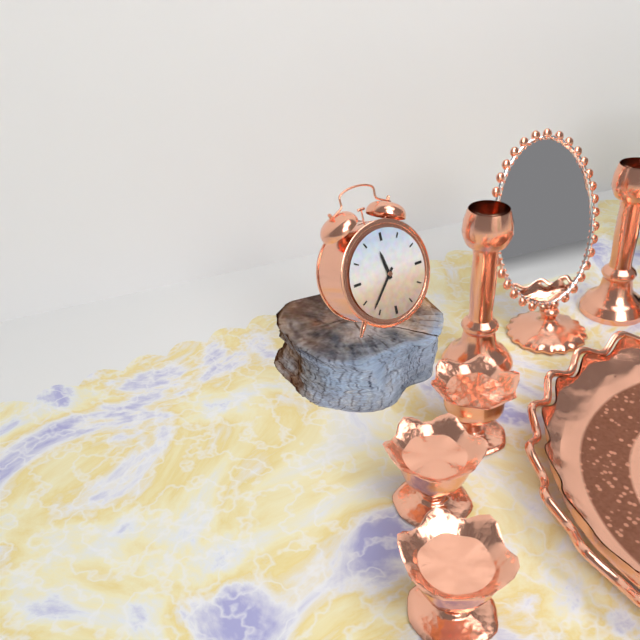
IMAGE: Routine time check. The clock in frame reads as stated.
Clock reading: 11:37
